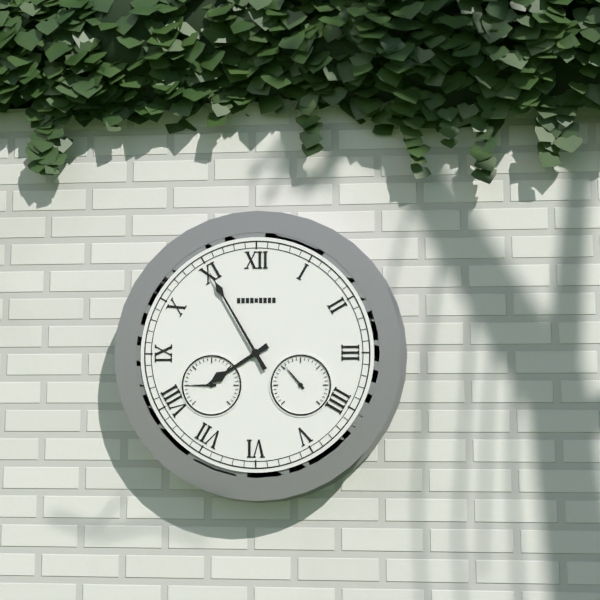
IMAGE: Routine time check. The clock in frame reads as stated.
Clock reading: 7:55
